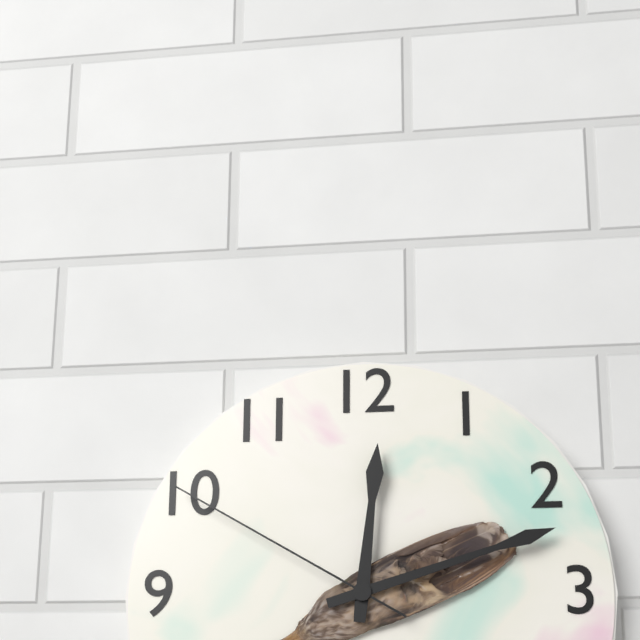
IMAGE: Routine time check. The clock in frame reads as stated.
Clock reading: 12:12:50
